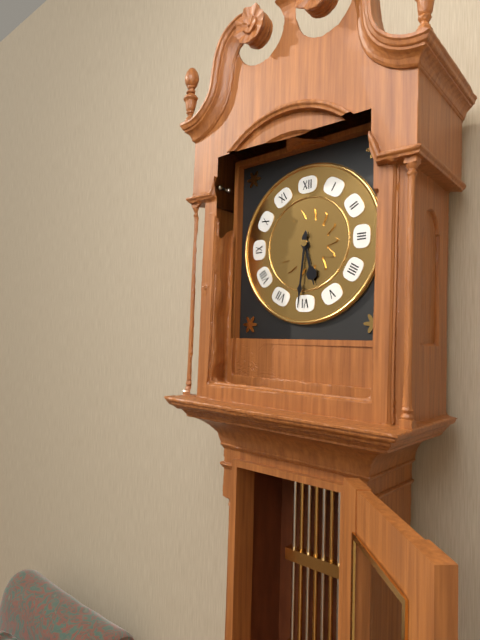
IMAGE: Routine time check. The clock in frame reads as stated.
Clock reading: 5:31
